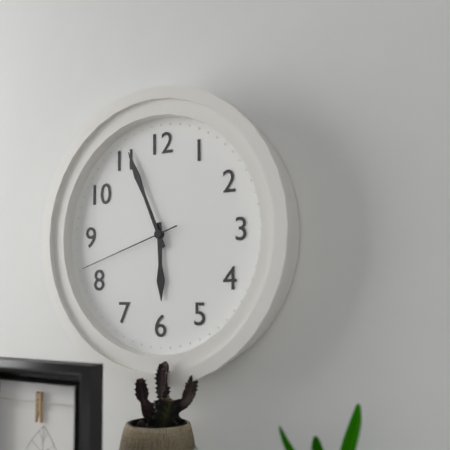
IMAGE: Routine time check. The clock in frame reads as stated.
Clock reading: 5:56:42
